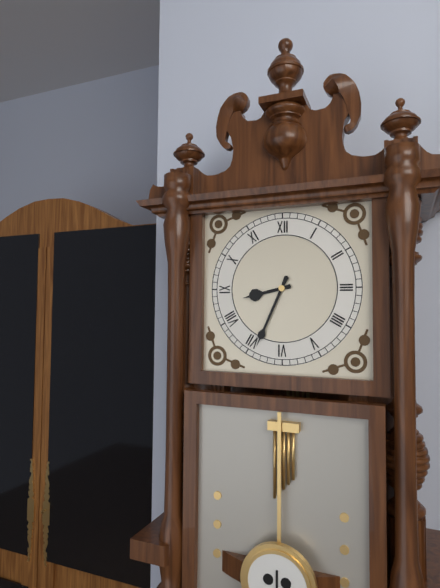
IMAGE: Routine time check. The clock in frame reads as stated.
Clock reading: 8:34
